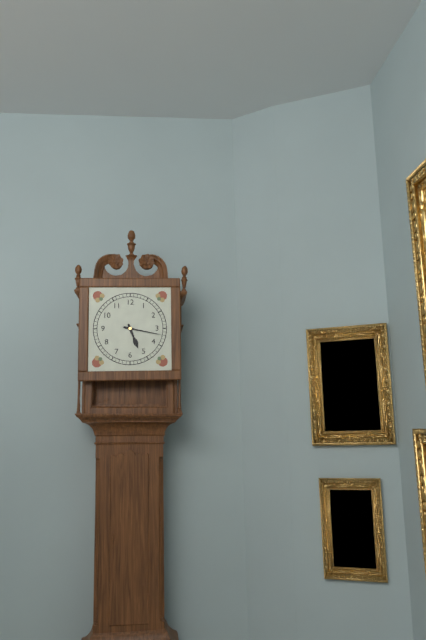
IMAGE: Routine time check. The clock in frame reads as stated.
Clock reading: 5:17
